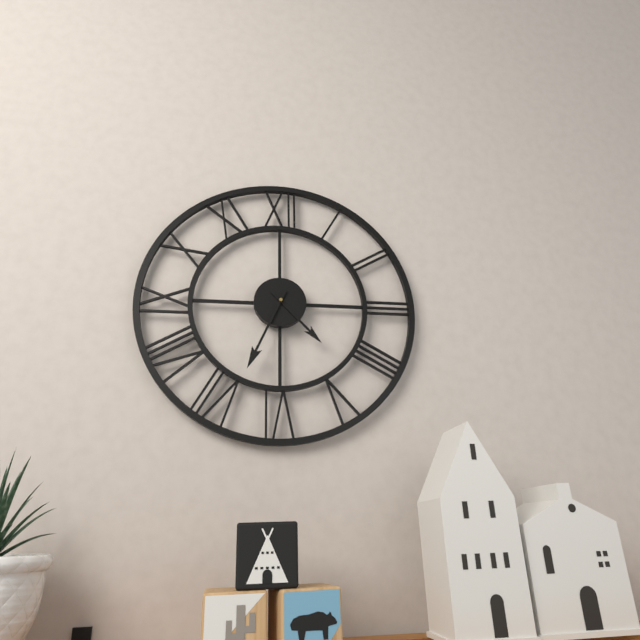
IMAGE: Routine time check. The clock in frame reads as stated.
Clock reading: 4:34
